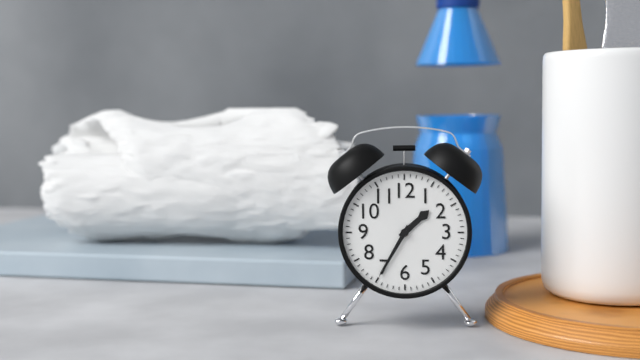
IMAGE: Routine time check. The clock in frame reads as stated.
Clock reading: 1:35
